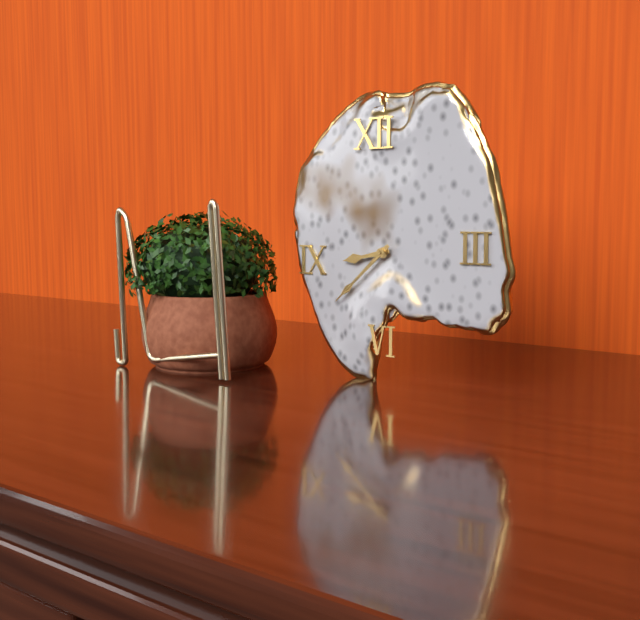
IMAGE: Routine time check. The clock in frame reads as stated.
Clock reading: 8:38
